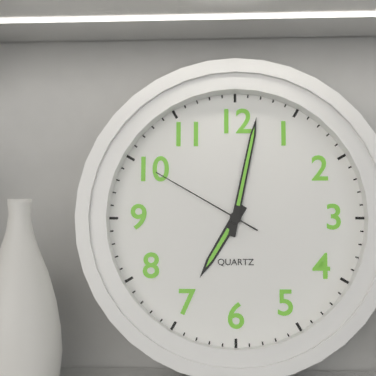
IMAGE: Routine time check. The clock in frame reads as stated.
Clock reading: 7:02:50
